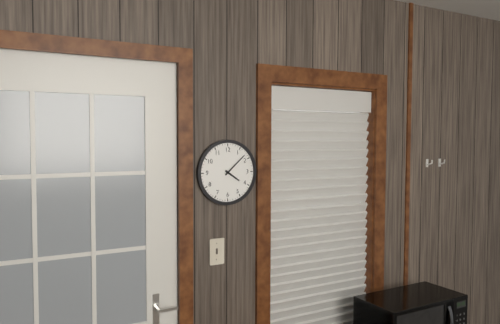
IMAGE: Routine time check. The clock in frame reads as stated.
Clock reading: 4:08
